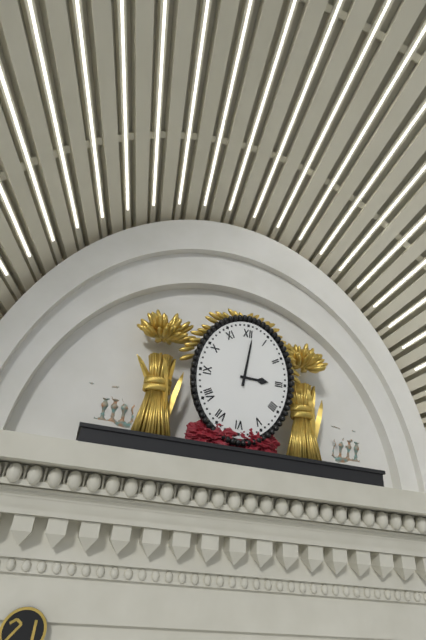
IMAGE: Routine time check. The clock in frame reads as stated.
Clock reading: 3:01
